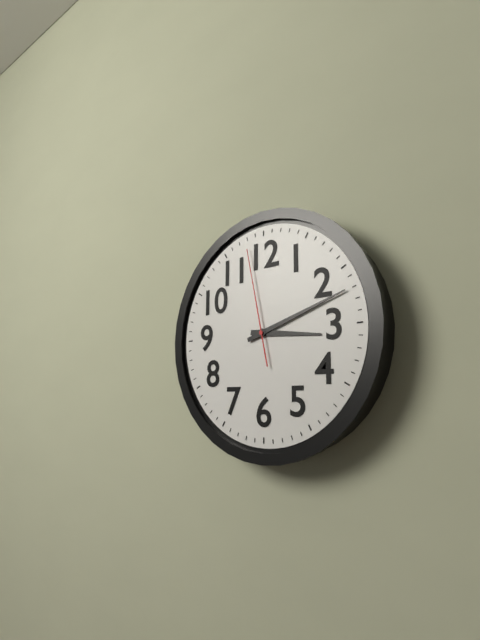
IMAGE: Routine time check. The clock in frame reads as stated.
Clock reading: 3:12:58
